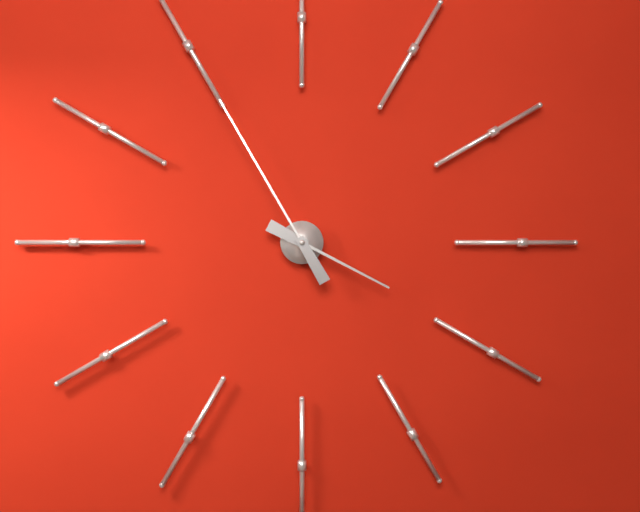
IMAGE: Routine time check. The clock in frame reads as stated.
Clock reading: 3:55
